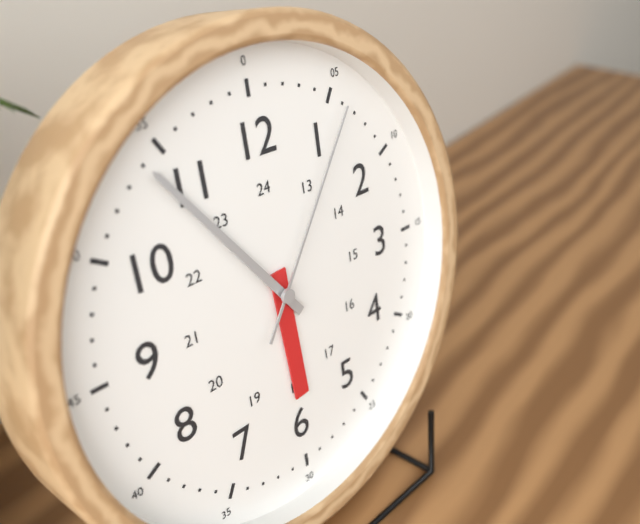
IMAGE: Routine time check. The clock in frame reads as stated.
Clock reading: 5:54:06
